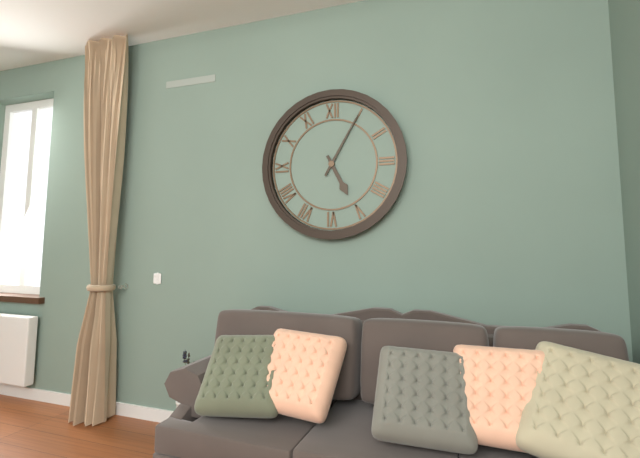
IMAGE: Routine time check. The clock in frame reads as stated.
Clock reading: 5:05
